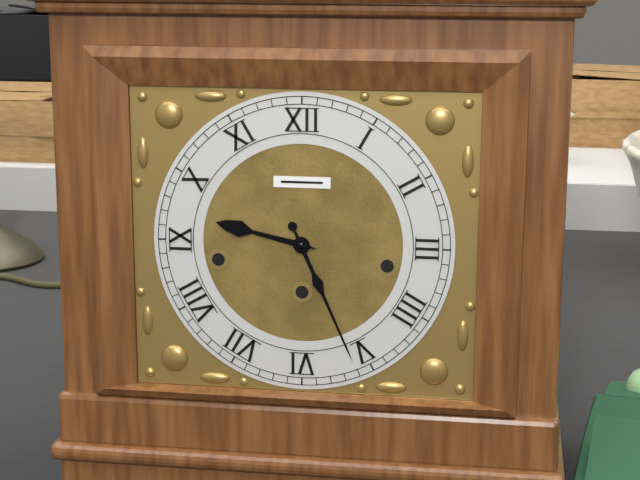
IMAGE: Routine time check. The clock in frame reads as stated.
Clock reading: 9:26
